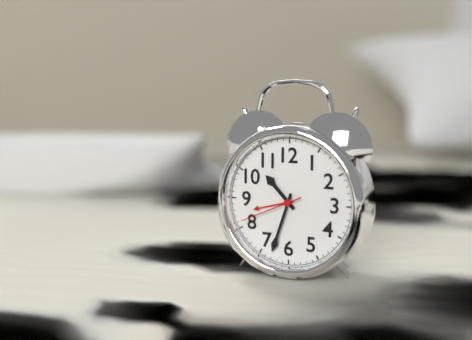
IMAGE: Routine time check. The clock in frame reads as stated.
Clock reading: 10:33:41
